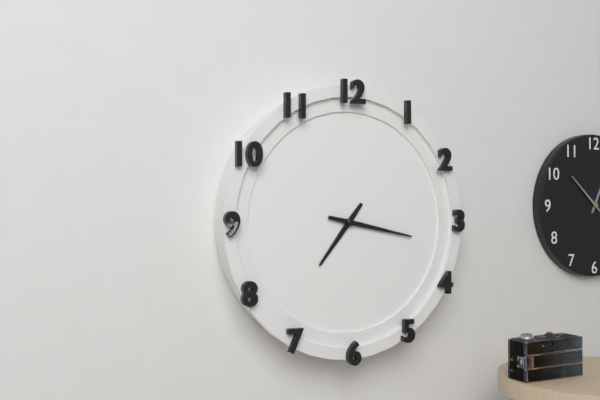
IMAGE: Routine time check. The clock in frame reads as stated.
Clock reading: 7:17
